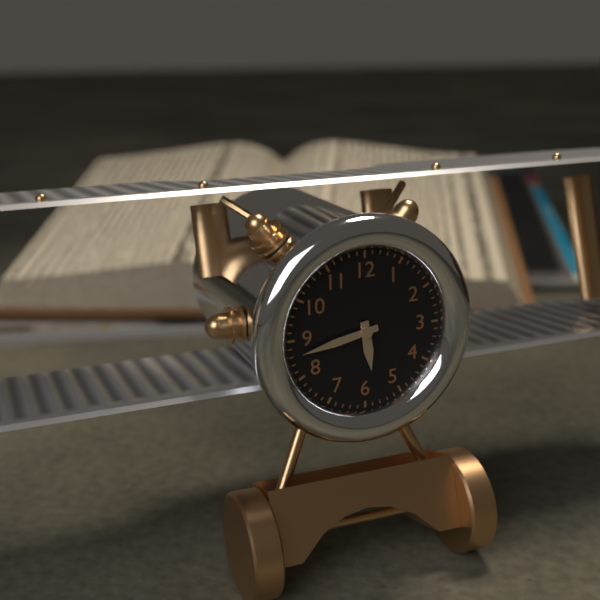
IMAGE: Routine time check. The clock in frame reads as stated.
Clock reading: 5:43
